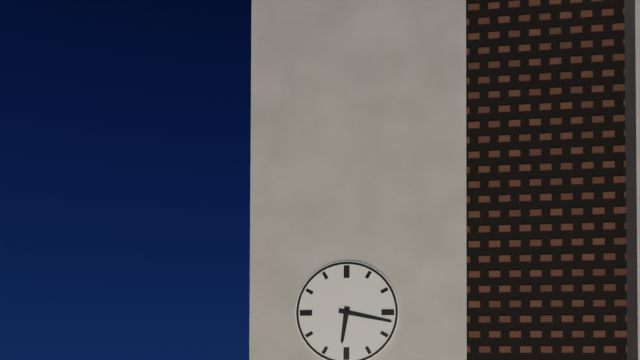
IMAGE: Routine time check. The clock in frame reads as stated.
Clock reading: 6:17
